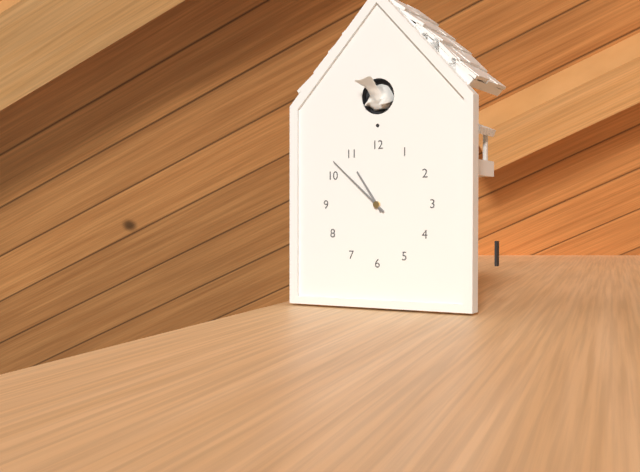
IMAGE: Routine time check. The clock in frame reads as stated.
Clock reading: 10:52
